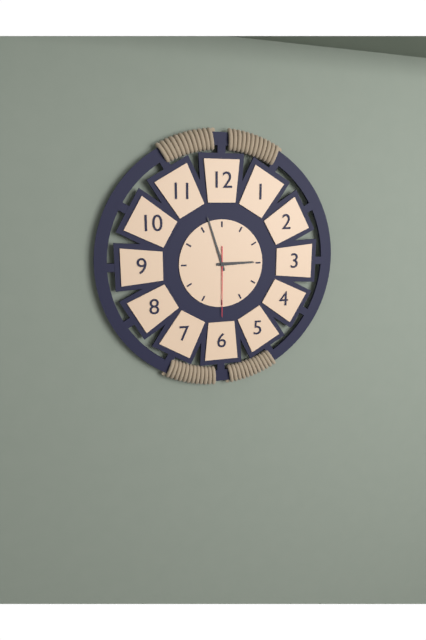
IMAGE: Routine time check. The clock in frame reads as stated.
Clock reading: 2:57:30
